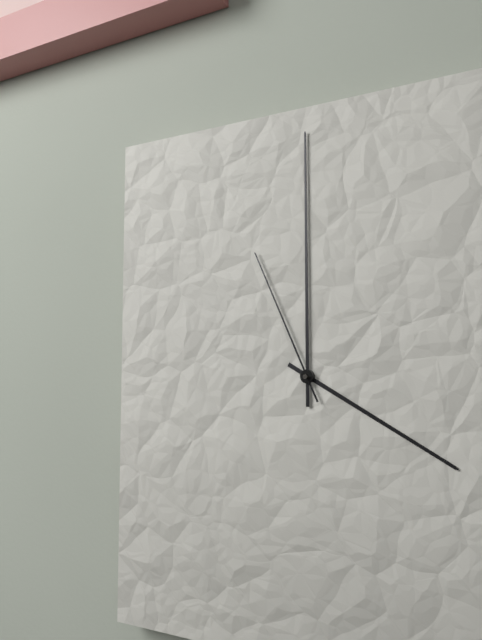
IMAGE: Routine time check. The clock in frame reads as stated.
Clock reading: 4:00:56
